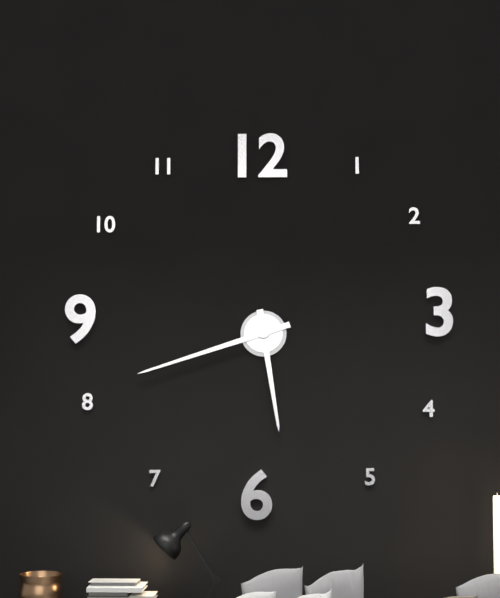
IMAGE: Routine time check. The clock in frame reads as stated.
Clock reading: 5:42
